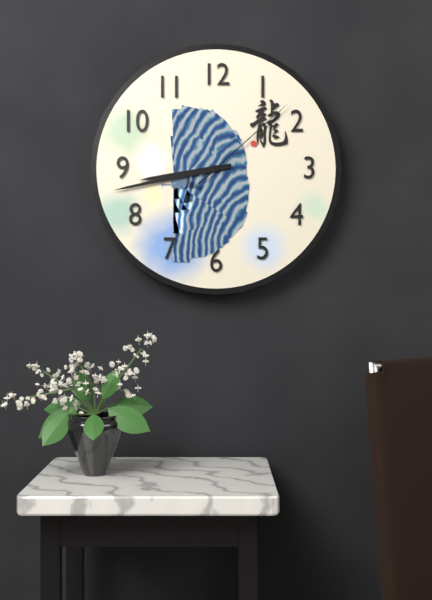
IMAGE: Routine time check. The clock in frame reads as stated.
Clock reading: 8:43:08
